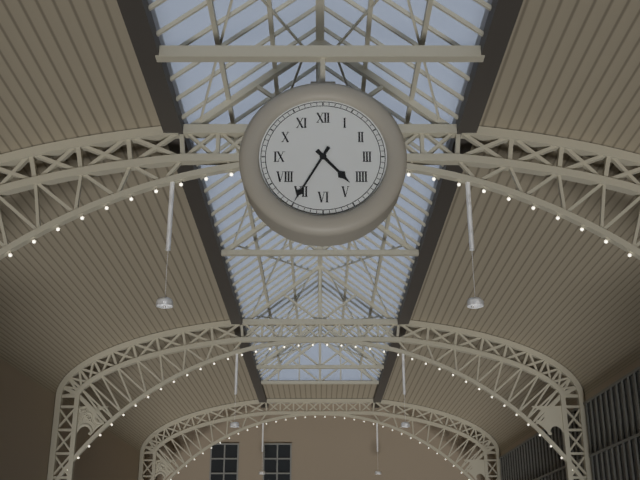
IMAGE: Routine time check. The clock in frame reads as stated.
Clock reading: 4:35
